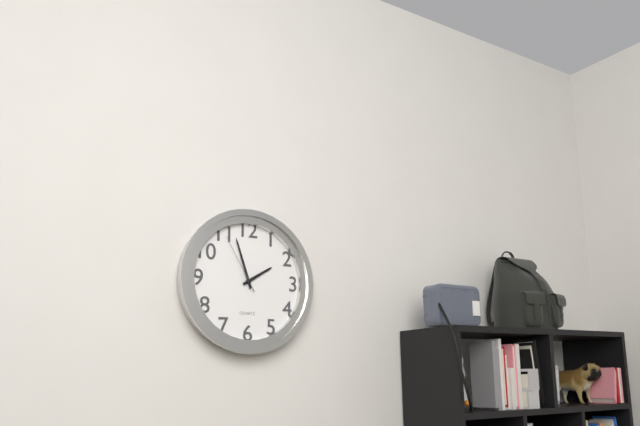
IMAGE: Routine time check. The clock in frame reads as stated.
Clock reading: 1:57:55
